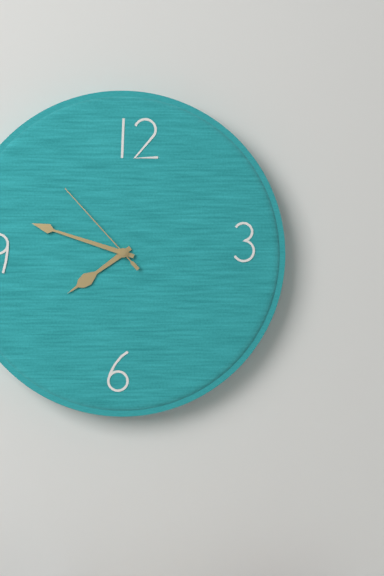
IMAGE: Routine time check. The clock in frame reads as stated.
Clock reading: 7:48:53
